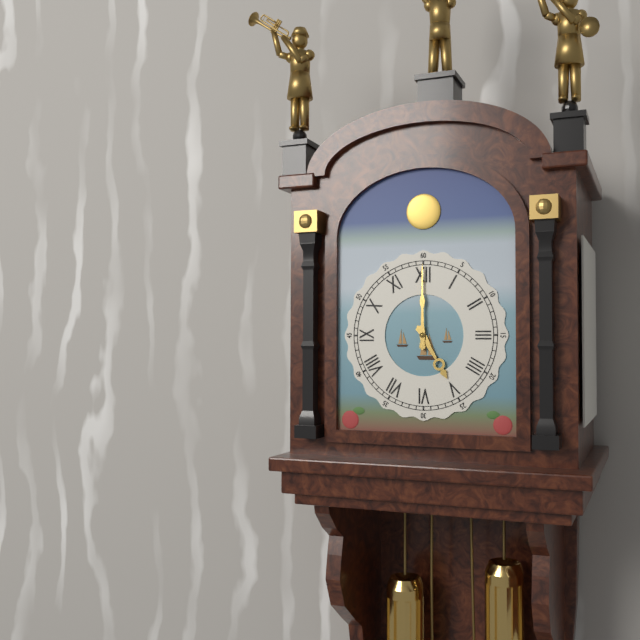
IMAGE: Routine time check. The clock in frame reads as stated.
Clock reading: 5:00
